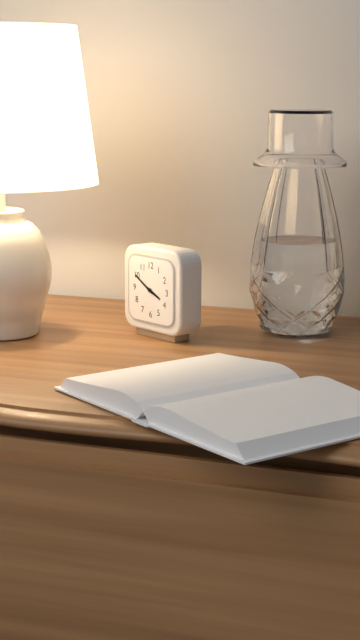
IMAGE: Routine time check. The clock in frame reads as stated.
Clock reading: 3:50
